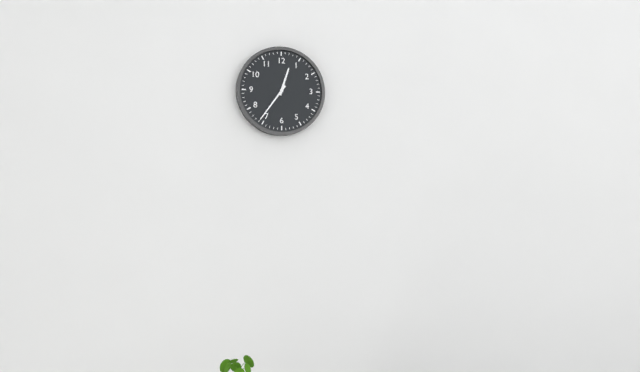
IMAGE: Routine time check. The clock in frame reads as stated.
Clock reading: 12:36
